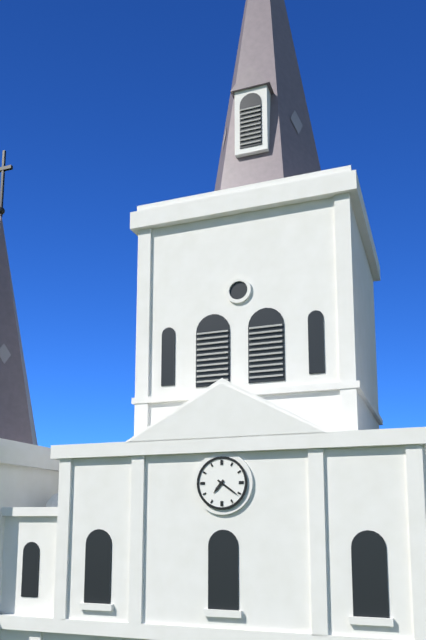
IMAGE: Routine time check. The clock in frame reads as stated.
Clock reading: 7:21
